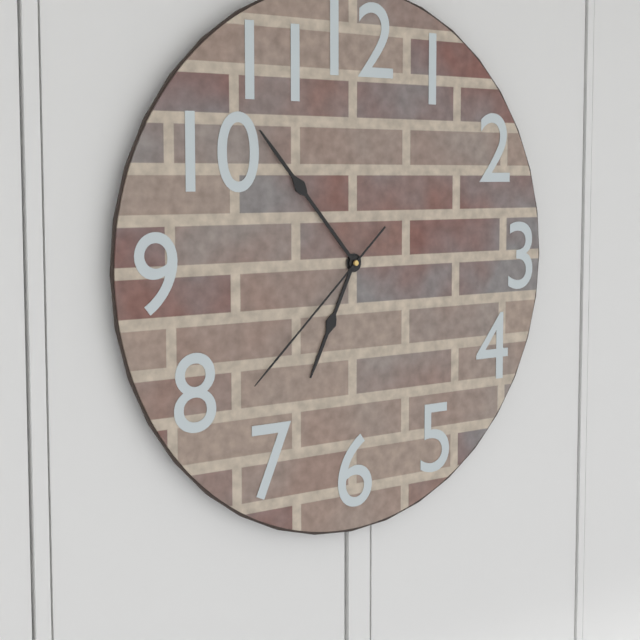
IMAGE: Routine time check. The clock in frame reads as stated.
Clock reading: 6:53:38
